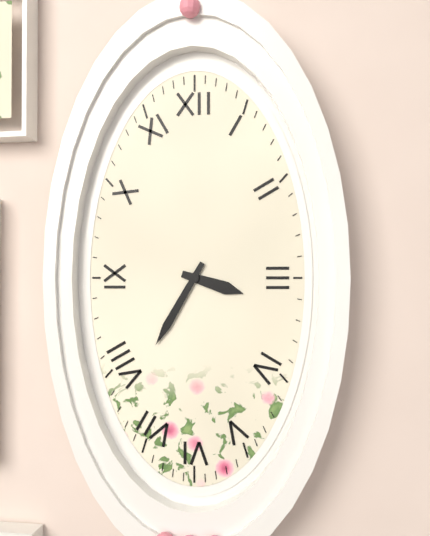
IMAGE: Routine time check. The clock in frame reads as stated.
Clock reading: 3:35
